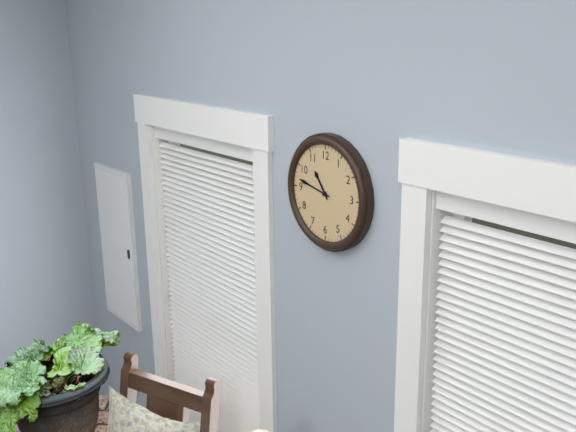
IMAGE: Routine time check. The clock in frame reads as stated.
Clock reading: 10:47
